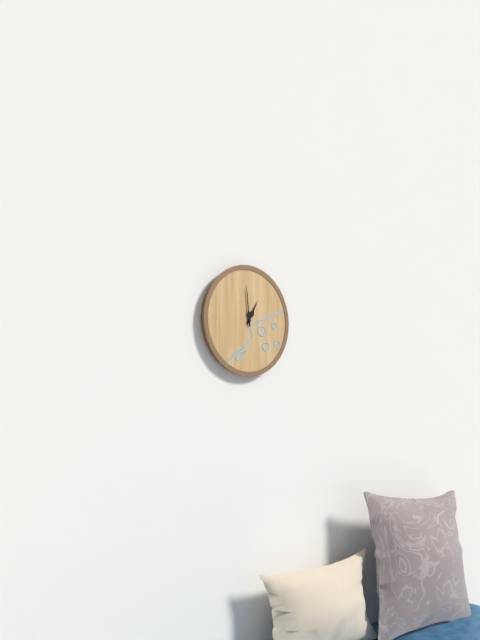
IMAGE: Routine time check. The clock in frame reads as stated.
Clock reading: 12:59
